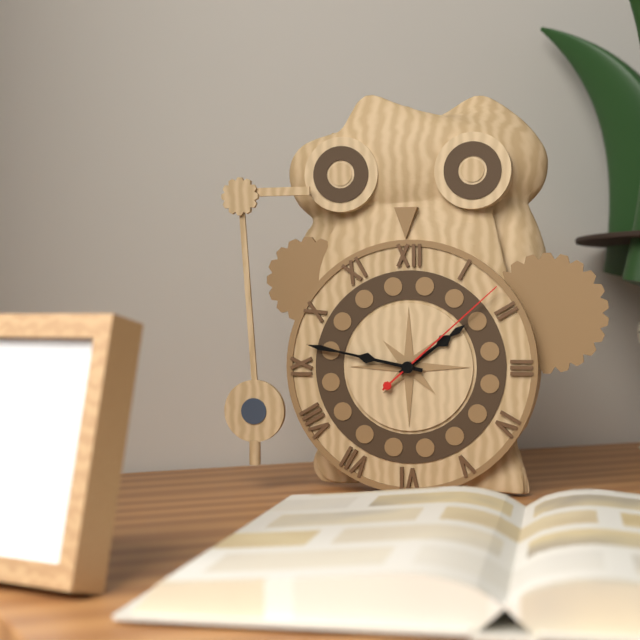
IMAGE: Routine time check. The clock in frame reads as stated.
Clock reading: 1:47:08
